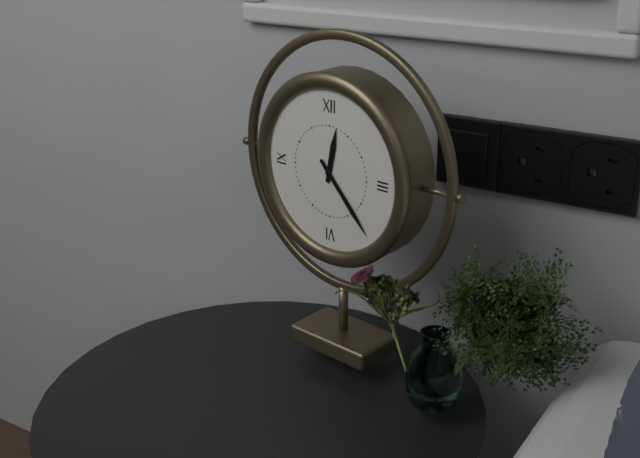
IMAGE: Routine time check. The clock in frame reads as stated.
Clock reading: 12:23
